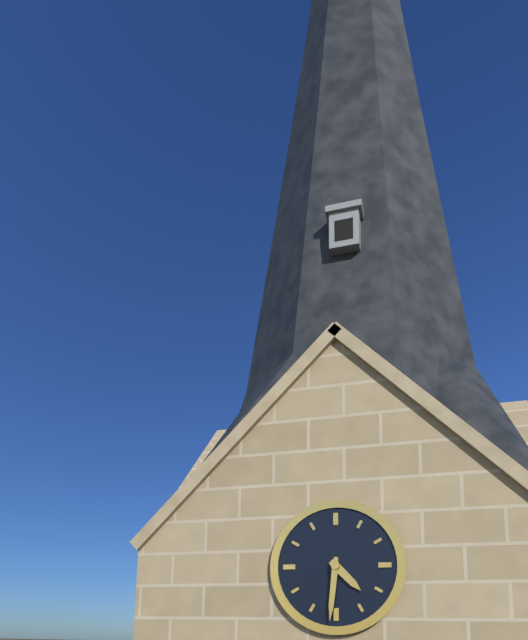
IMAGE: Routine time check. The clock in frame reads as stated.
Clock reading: 4:31
